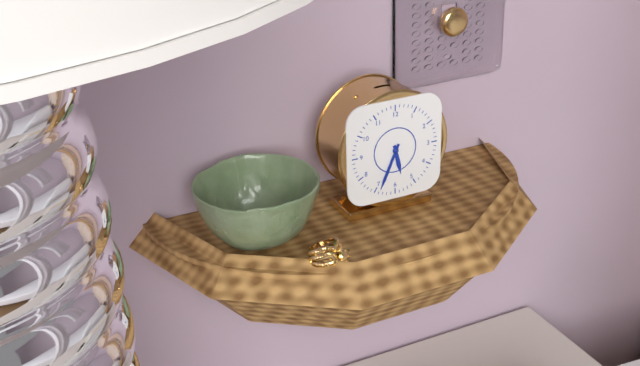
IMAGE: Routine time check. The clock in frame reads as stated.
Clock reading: 5:34
